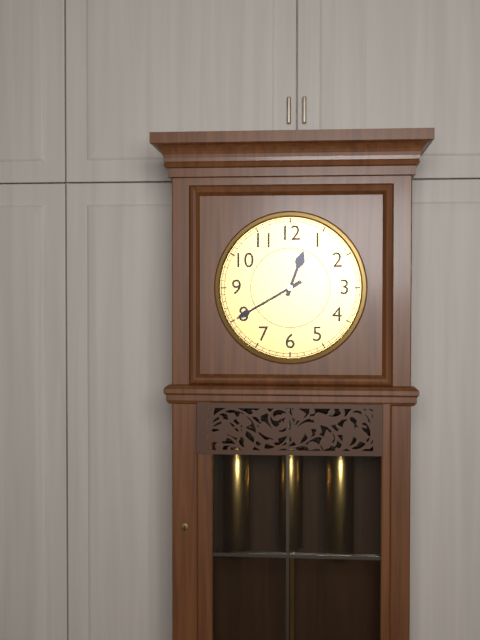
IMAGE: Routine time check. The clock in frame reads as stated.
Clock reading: 12:40
